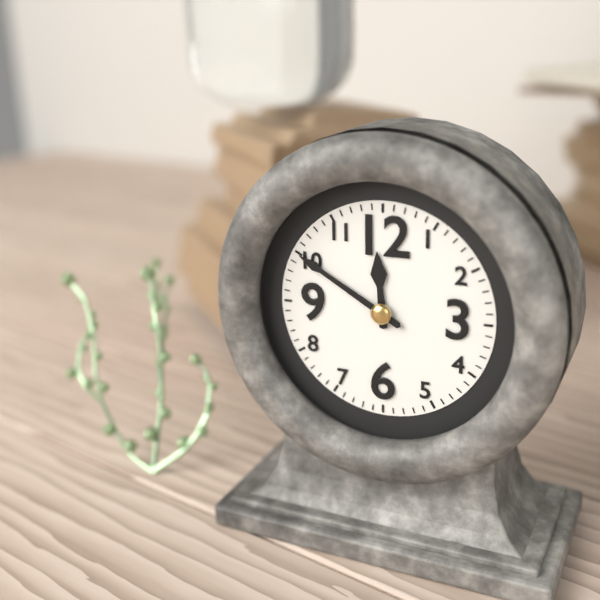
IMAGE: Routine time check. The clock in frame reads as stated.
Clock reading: 11:50
